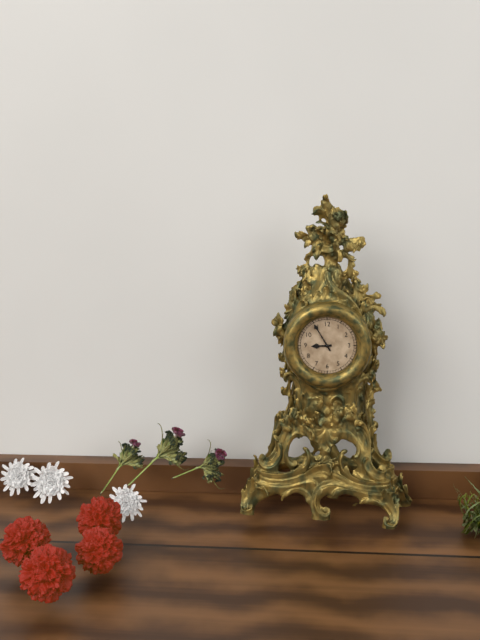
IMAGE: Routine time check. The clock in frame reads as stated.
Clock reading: 8:55
